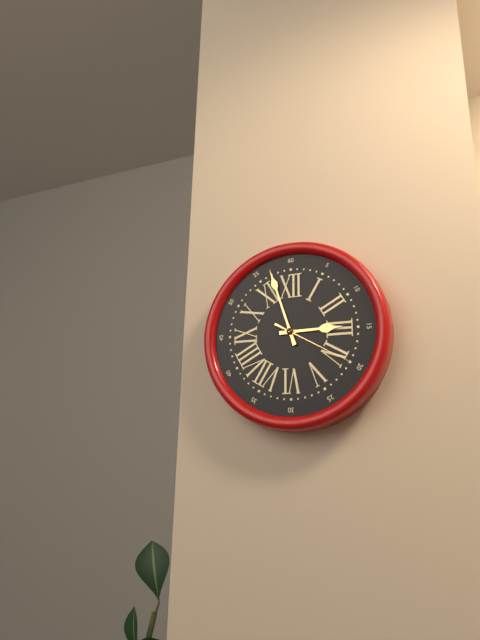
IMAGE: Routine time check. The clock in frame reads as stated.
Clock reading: 2:57:20
